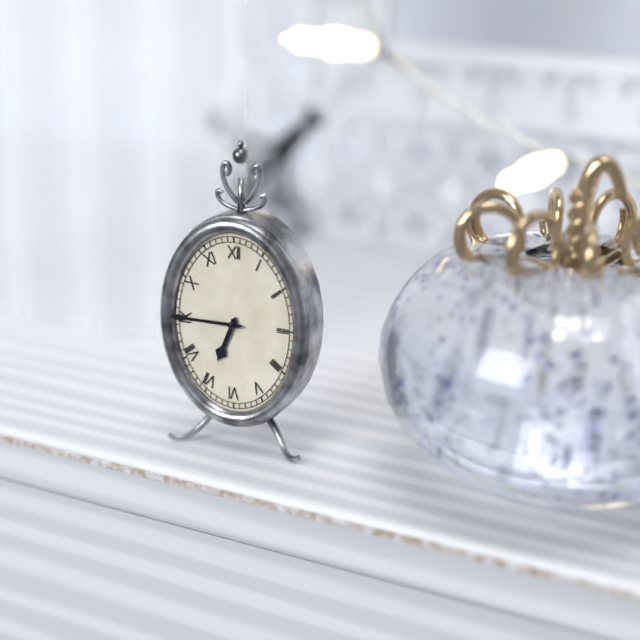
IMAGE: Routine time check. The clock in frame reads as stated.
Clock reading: 6:45
